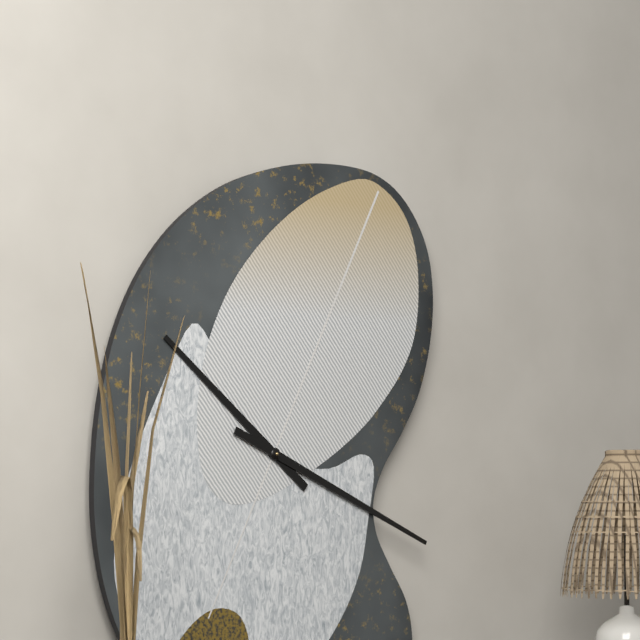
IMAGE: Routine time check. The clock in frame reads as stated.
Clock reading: 10:19
